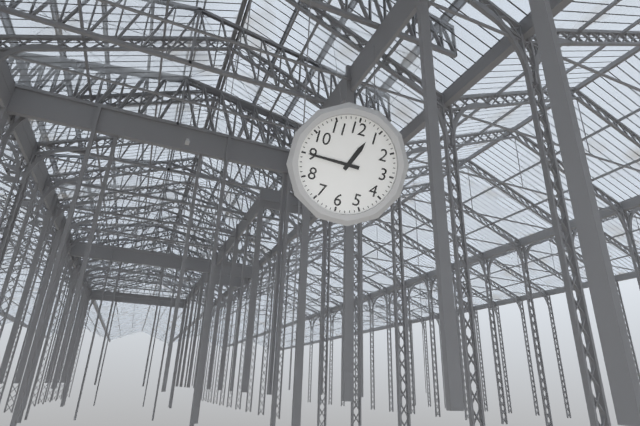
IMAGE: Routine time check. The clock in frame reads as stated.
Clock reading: 12:45
